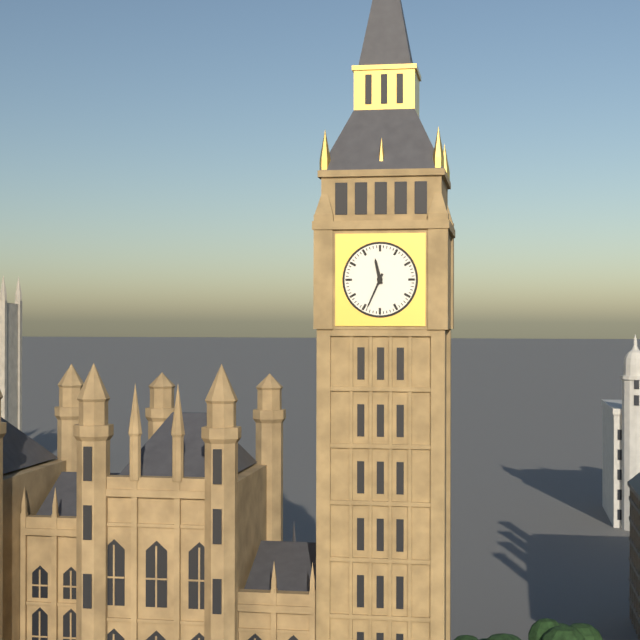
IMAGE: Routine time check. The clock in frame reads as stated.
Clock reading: 11:34
